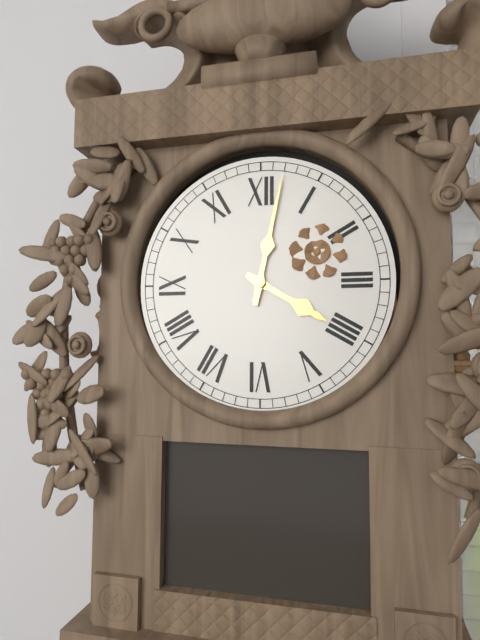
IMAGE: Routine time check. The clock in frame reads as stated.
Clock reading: 4:02
